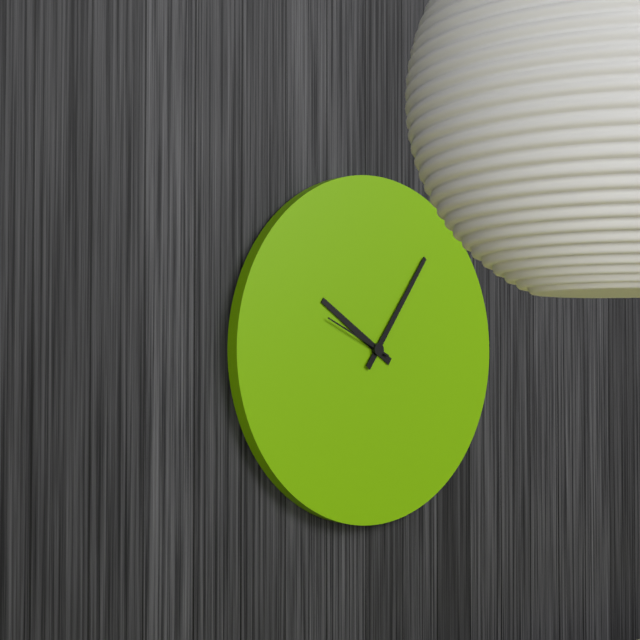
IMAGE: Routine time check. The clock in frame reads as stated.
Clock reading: 10:06:49
